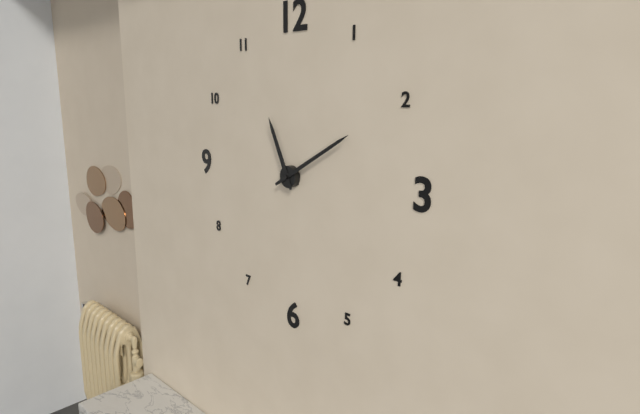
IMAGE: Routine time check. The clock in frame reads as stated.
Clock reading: 11:10
